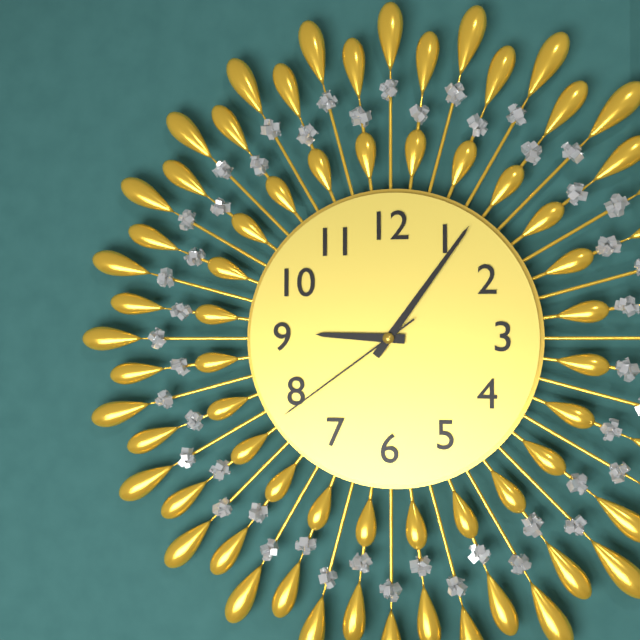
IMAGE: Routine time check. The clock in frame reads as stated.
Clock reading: 9:06:39
